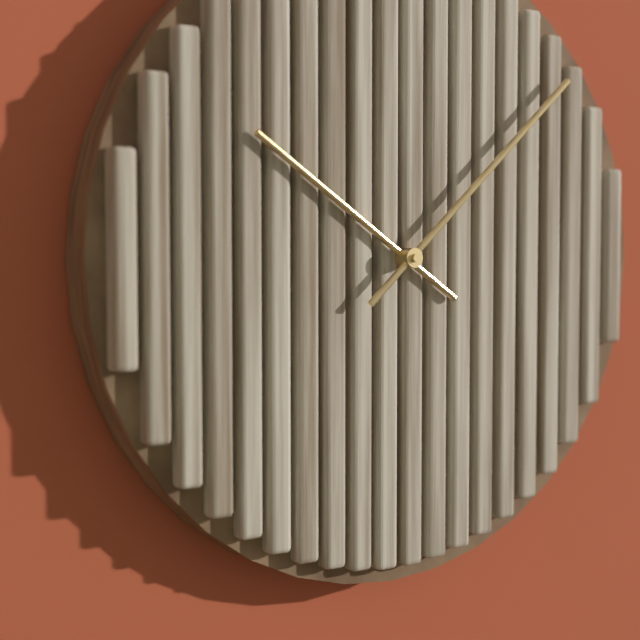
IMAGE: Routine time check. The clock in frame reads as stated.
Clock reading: 10:08
